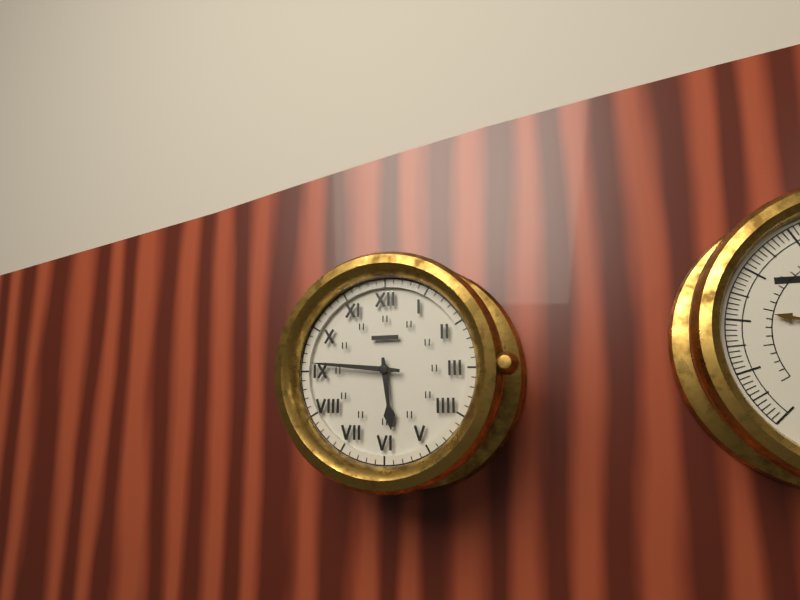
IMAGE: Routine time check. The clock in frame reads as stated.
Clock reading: 5:46
